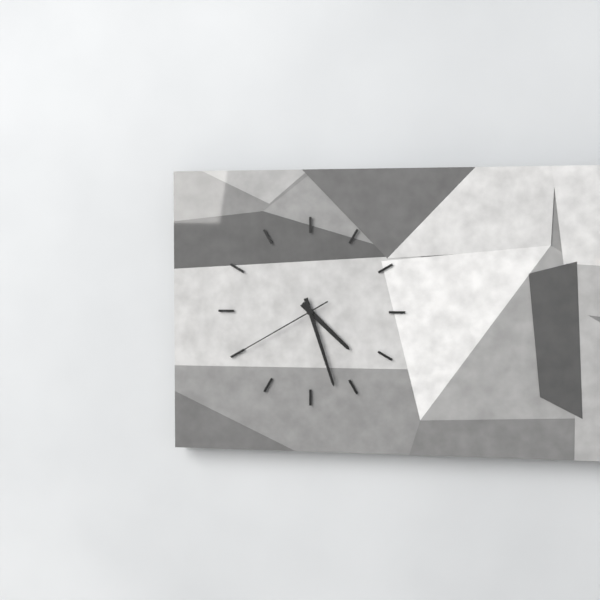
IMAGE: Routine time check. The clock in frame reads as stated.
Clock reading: 4:27:40
